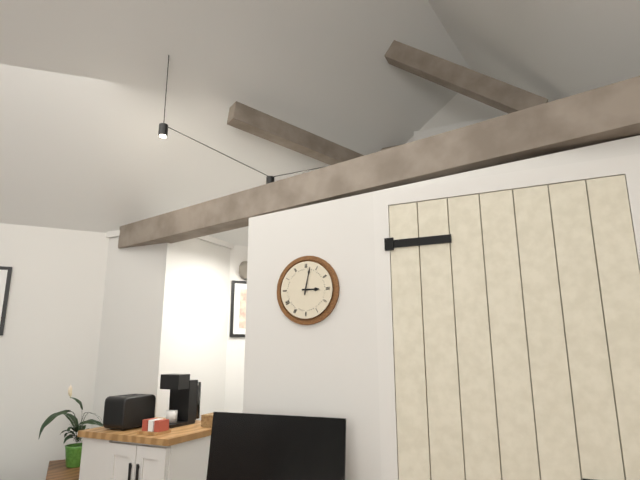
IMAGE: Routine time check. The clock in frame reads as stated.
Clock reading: 3:02
